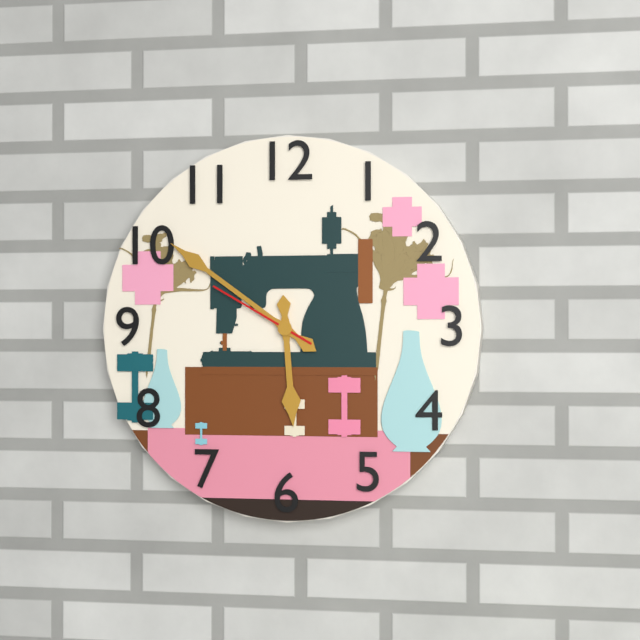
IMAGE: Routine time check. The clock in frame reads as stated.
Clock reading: 5:51:50
